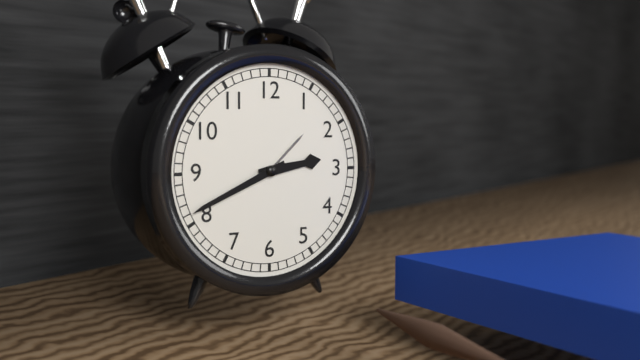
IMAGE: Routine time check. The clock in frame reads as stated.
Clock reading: 2:41
